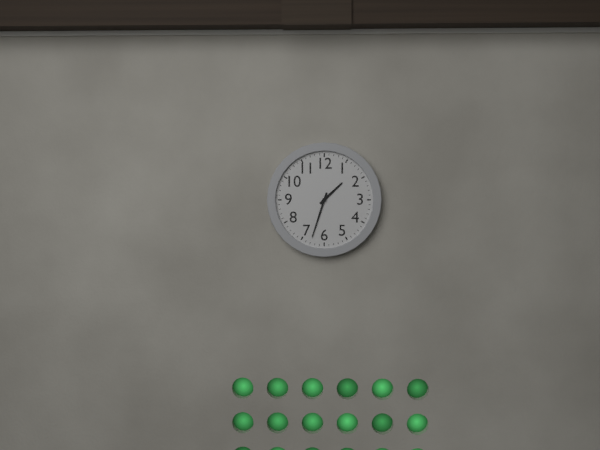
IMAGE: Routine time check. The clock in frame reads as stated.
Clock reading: 1:33
